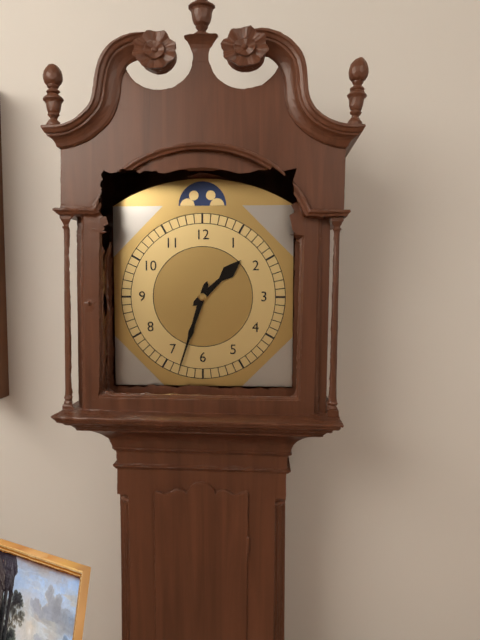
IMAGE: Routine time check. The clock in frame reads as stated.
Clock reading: 1:33
